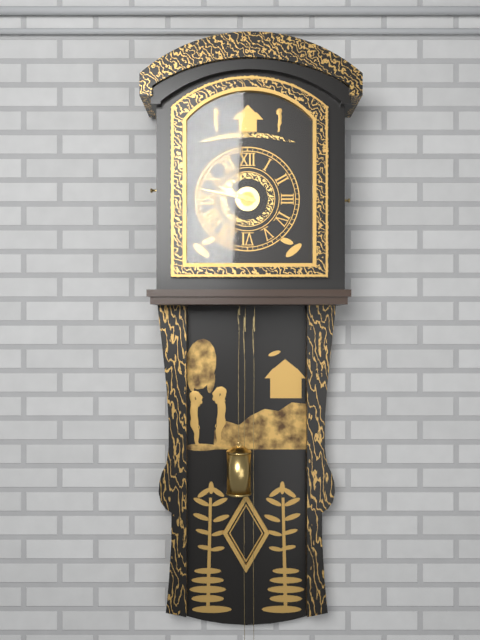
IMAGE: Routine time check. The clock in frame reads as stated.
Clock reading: 9:47
